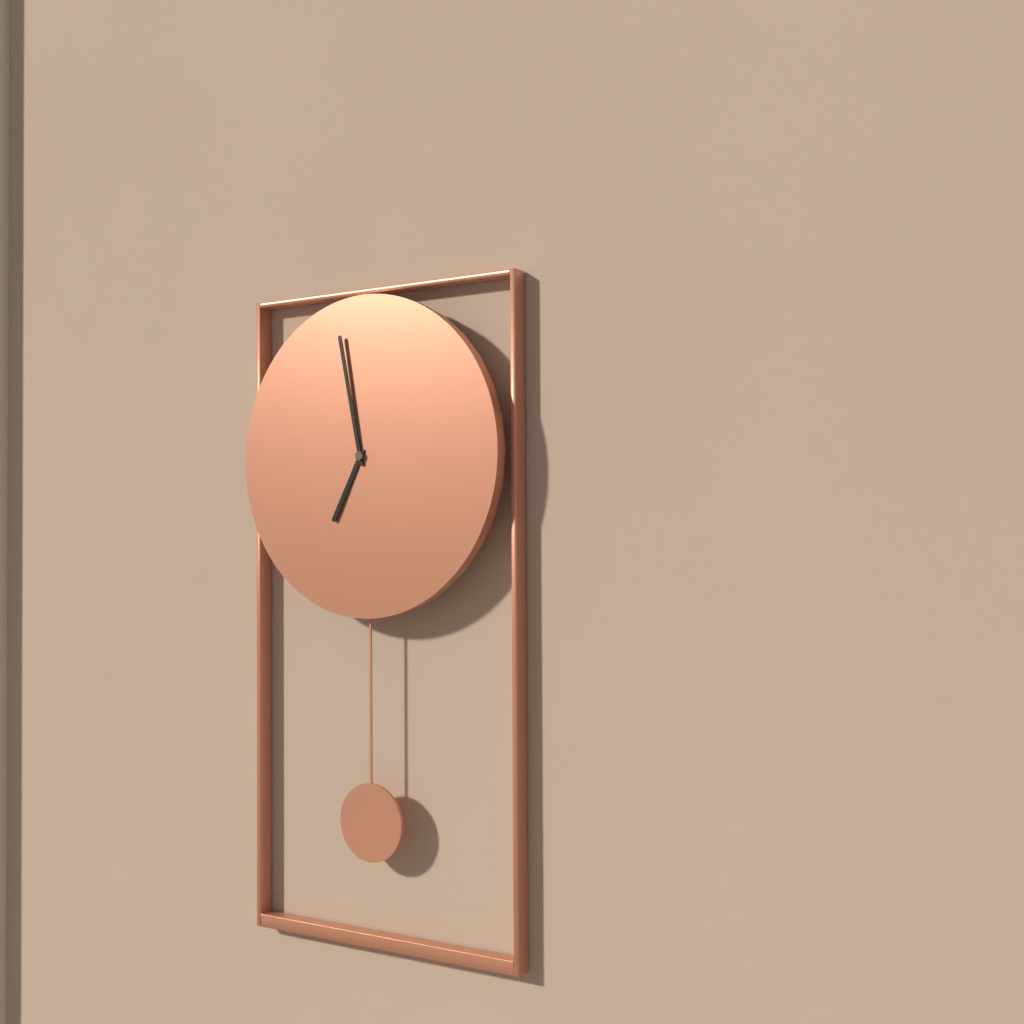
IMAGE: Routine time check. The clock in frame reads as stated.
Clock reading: 6:58
